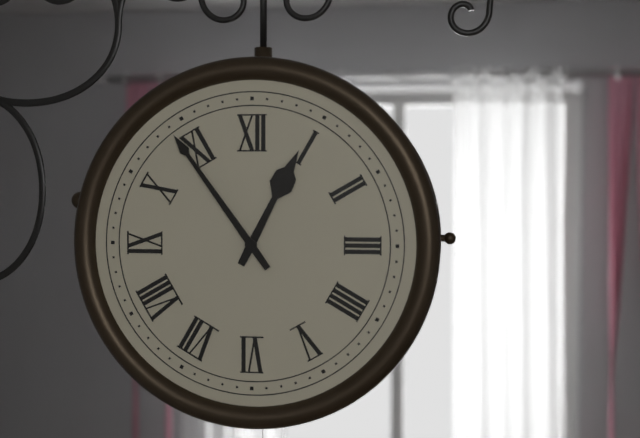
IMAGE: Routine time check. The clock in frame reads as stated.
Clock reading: 12:54
